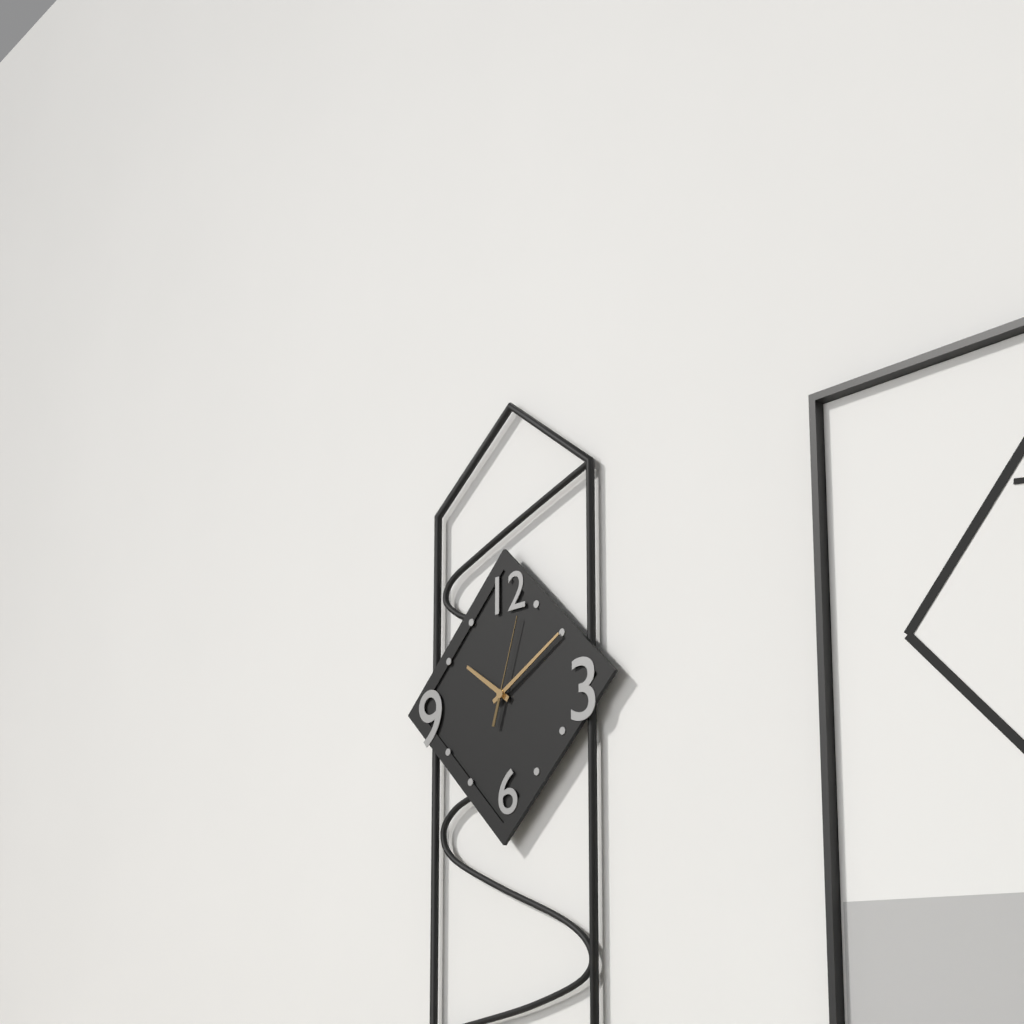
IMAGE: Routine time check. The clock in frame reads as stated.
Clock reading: 10:10:03
